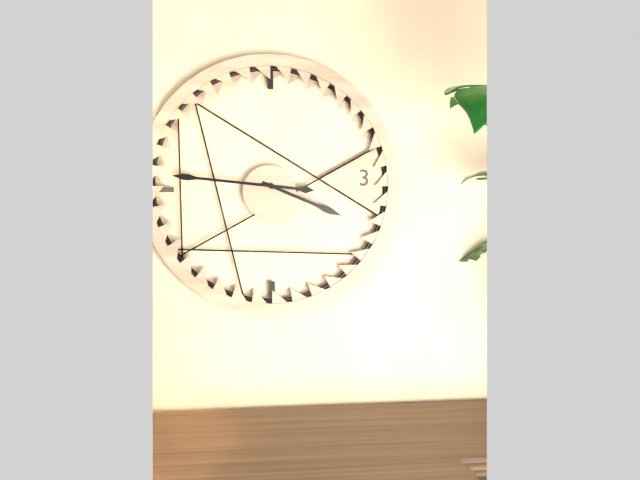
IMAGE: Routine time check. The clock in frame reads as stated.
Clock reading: 3:46
